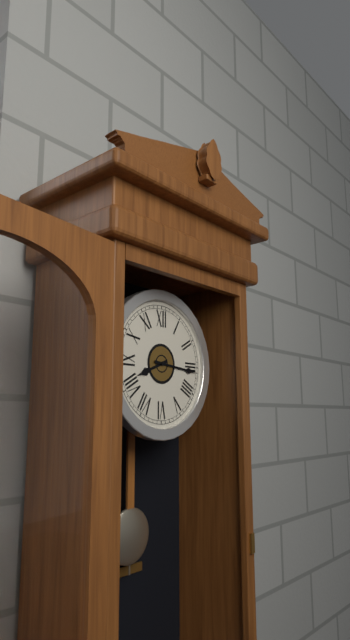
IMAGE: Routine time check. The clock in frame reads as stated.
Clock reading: 8:16
